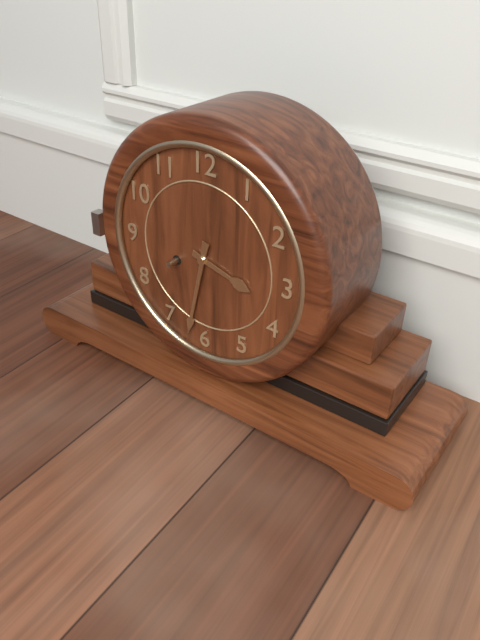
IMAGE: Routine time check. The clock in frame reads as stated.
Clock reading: 3:32
